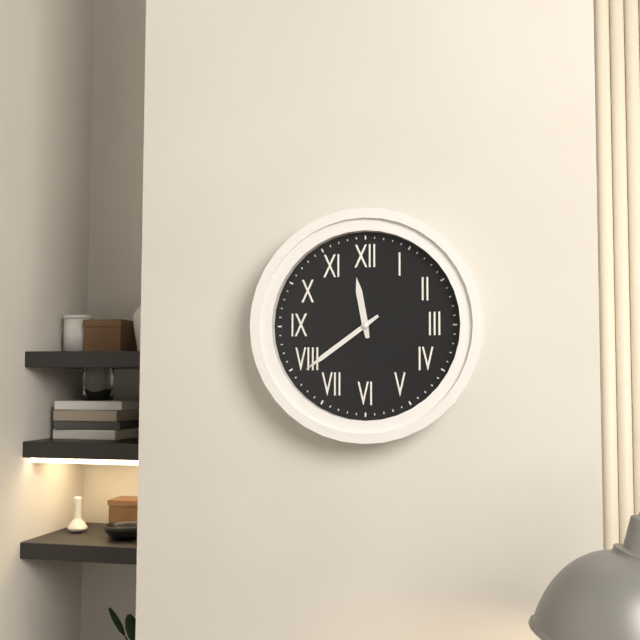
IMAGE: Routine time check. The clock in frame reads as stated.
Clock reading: 11:39
